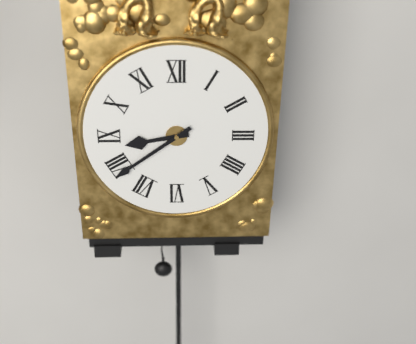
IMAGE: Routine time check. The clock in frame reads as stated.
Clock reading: 8:39
